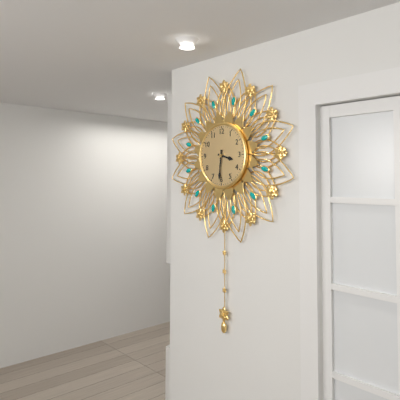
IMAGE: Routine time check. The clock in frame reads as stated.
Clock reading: 3:31
